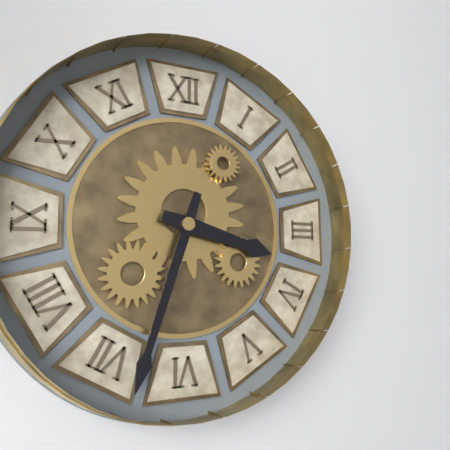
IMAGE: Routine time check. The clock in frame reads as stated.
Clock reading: 3:33
